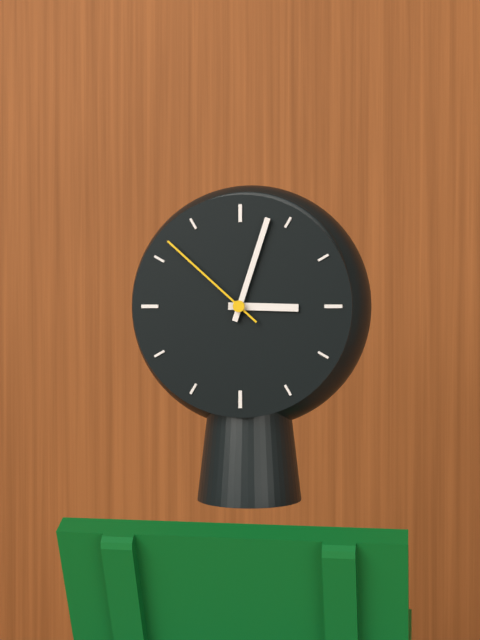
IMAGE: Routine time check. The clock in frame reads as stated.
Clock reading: 3:03:52
